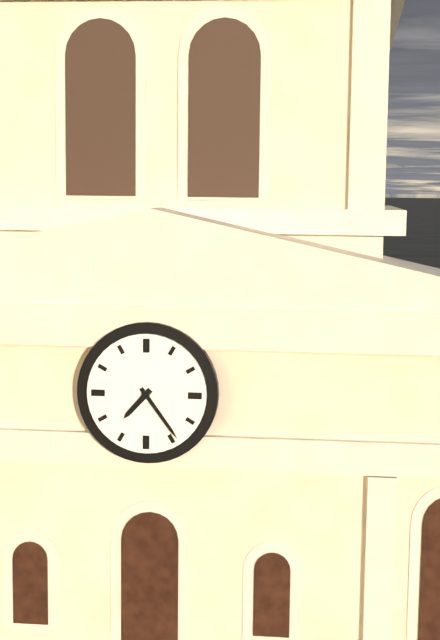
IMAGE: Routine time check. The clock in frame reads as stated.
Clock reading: 7:24
